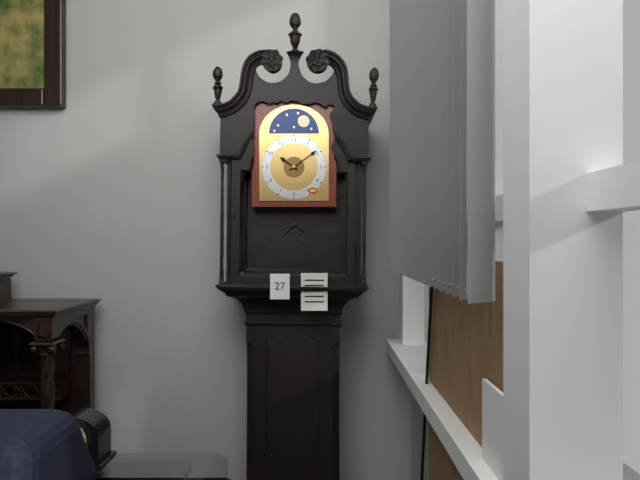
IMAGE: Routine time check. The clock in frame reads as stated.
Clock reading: 10:09
